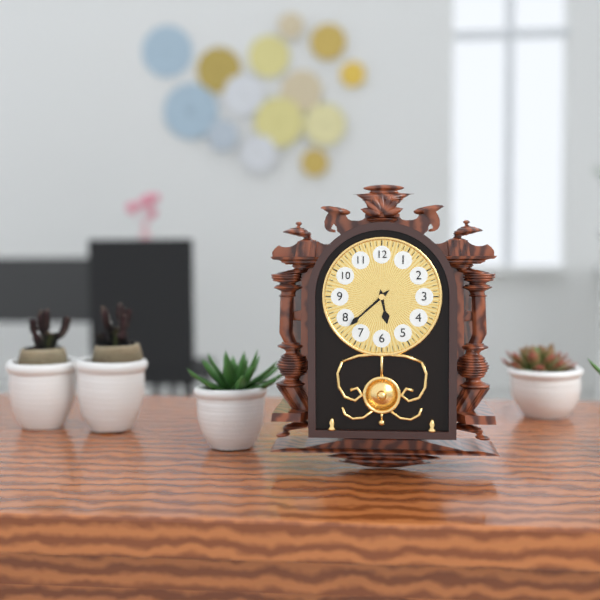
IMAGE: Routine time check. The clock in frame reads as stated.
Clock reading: 5:38
